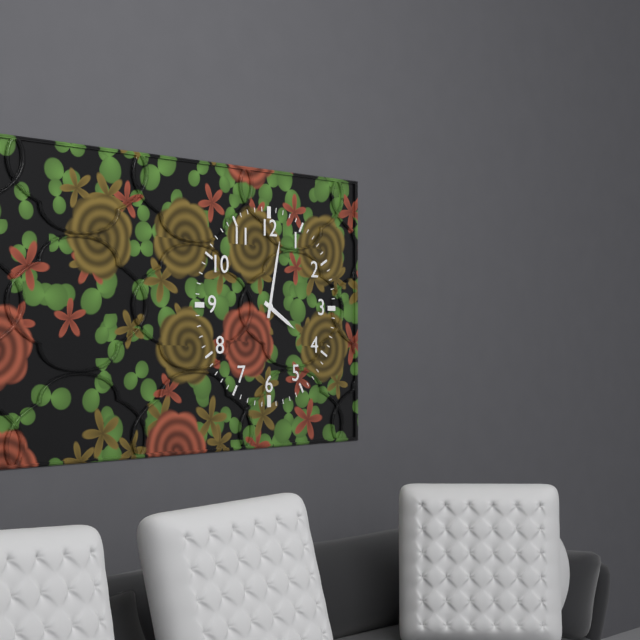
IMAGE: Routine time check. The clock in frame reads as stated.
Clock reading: 4:02
